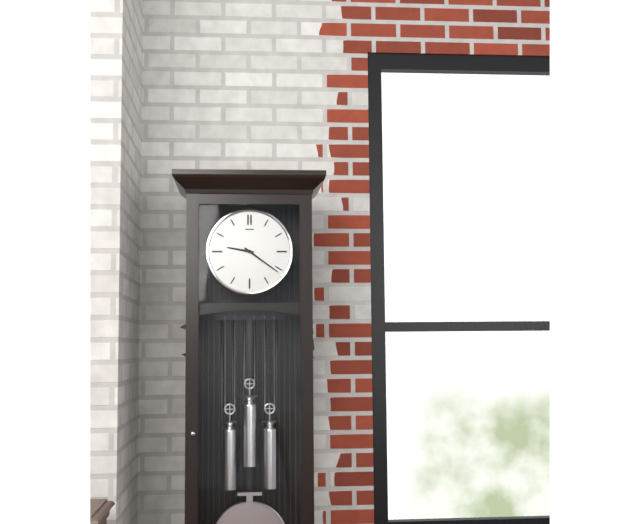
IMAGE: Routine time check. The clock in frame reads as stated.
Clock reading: 9:21
